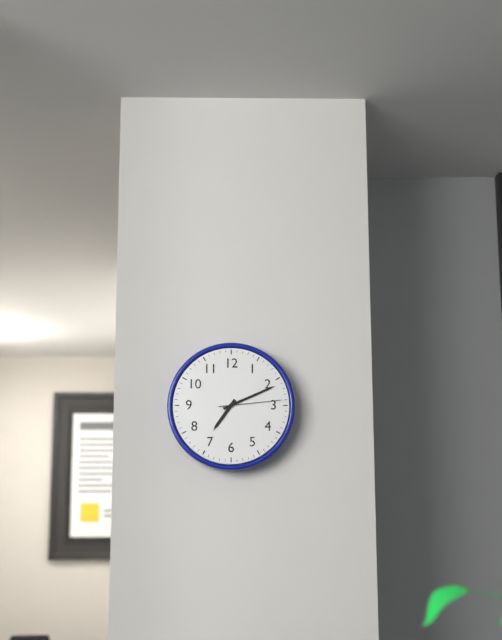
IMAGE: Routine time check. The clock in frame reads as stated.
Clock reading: 7:11:14
